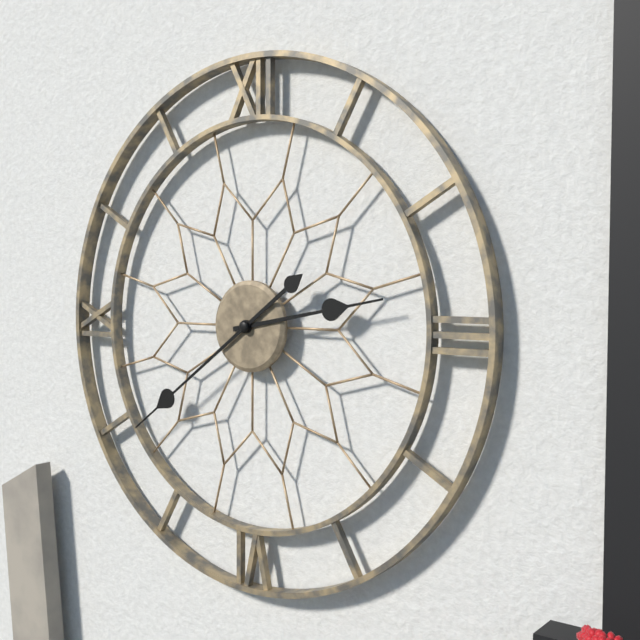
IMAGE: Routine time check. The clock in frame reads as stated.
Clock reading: 2:39
